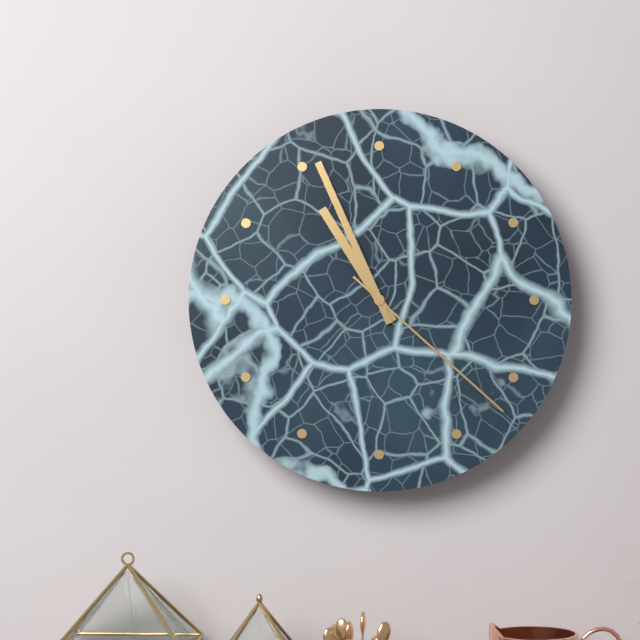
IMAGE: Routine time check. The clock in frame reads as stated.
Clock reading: 10:56:22
